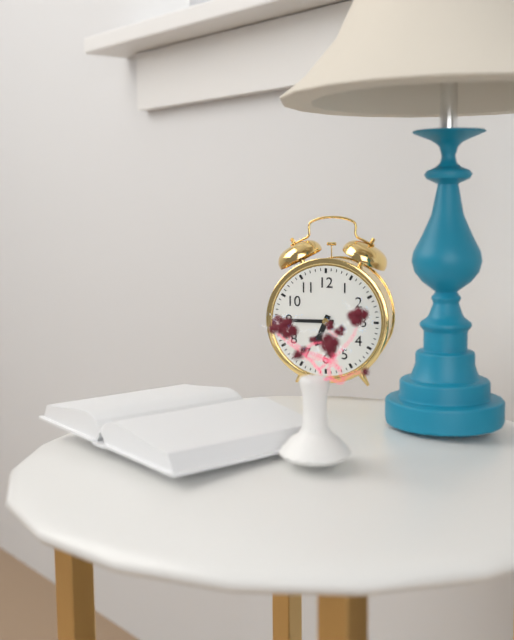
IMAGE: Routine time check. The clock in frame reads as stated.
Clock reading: 6:45
